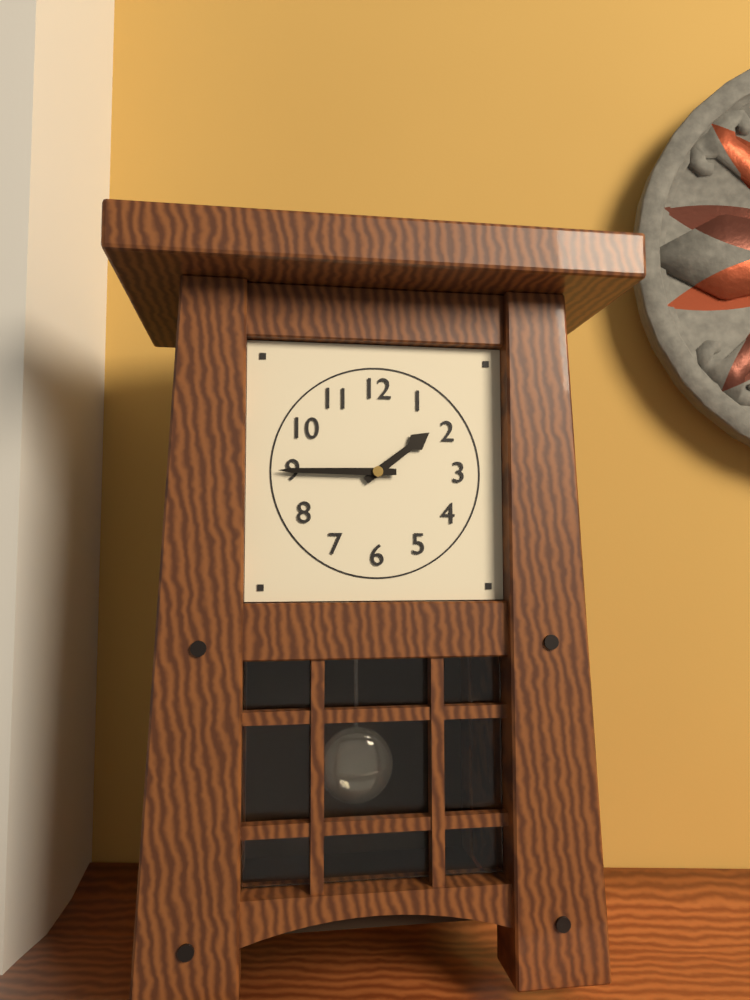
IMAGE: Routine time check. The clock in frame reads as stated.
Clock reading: 1:45
